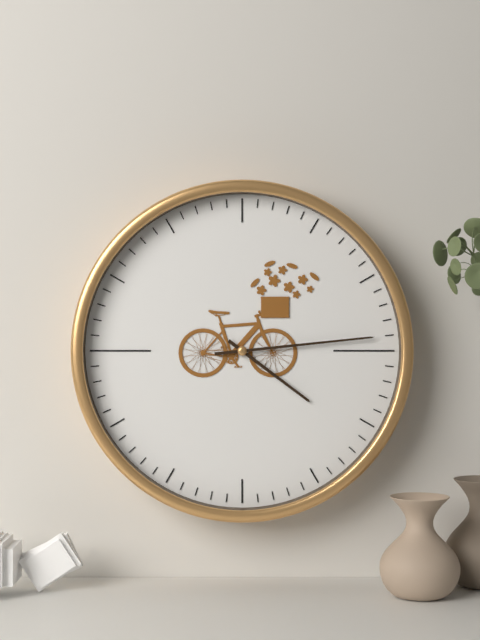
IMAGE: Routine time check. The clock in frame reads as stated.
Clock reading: 4:14
